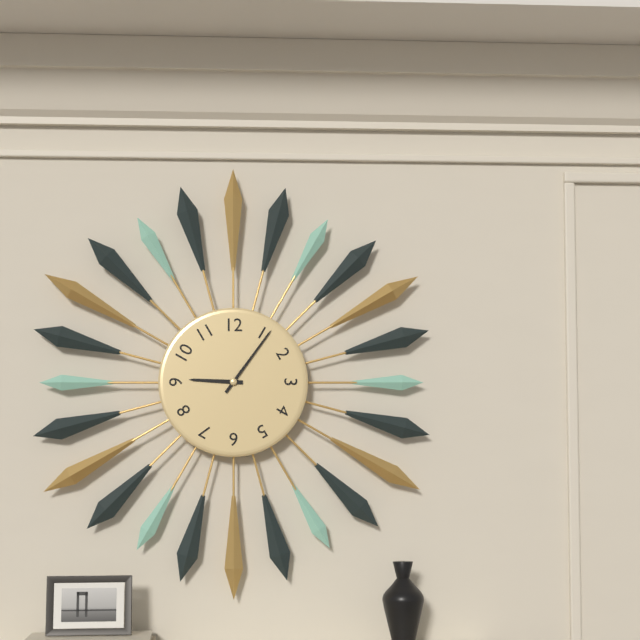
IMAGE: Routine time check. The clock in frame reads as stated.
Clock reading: 9:06
